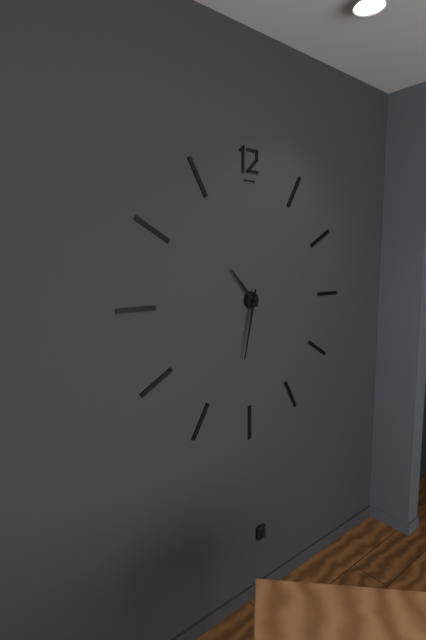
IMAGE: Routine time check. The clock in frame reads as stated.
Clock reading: 10:32
